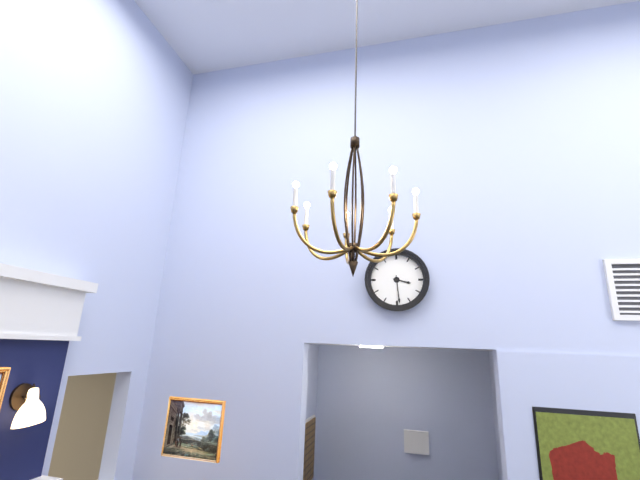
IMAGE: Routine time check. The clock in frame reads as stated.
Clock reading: 3:29
